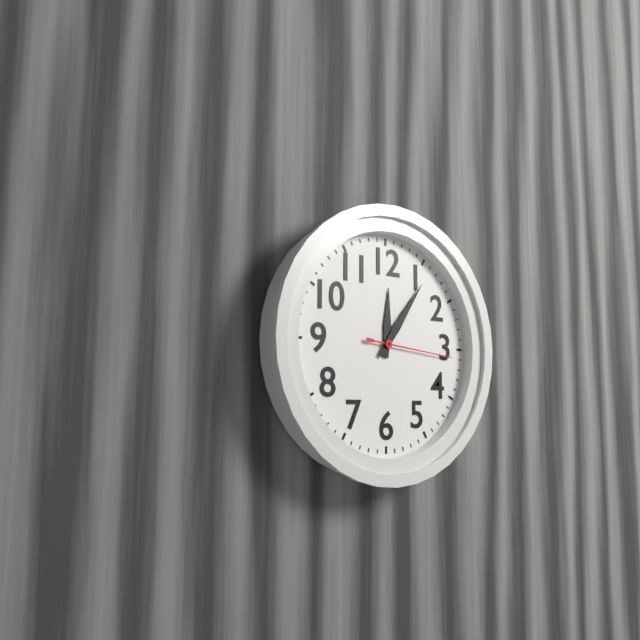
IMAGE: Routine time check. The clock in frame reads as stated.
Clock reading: 12:06:16
